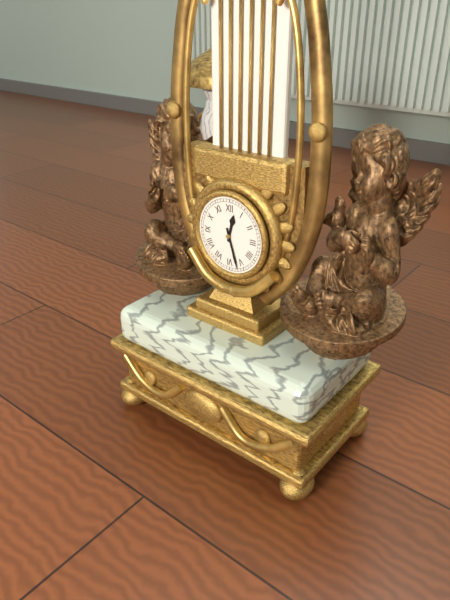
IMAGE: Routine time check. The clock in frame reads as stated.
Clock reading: 12:27
